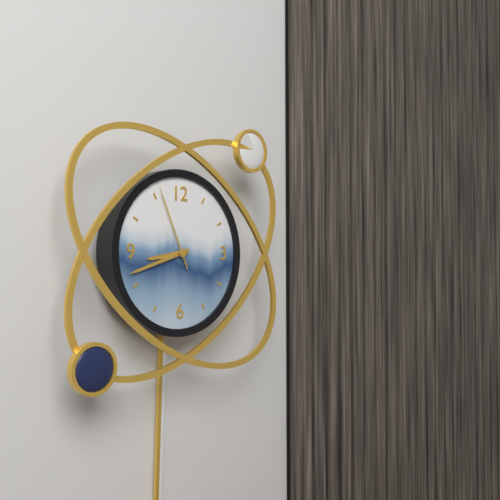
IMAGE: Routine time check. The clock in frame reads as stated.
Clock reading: 8:42:56
